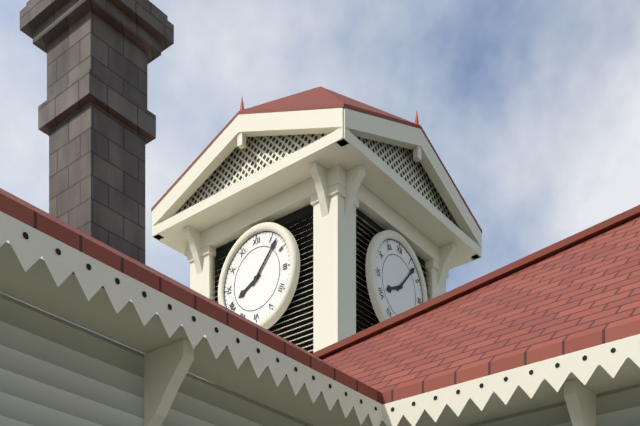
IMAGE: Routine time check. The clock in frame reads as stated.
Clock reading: 8:07
